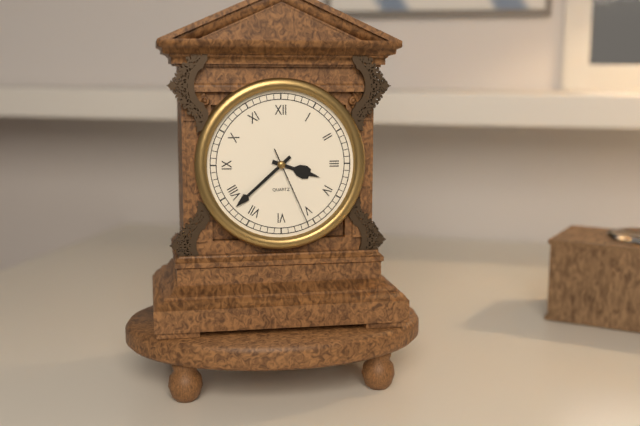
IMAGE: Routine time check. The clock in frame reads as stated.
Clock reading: 3:38:26
